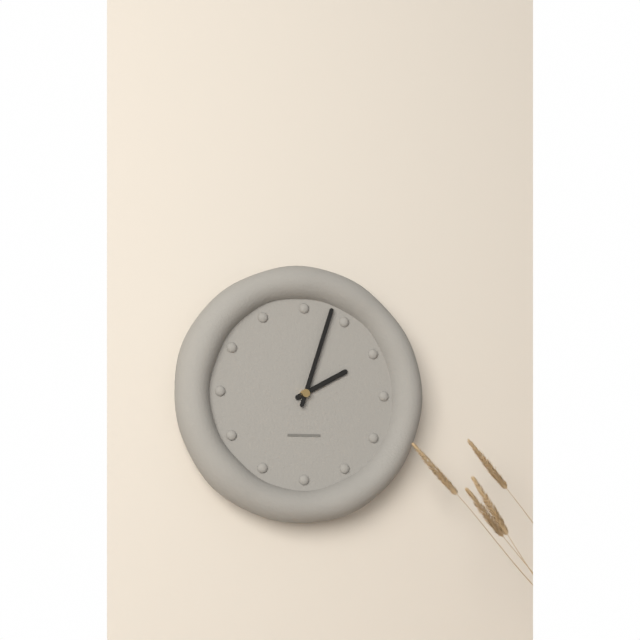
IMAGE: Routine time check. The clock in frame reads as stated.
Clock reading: 2:03
